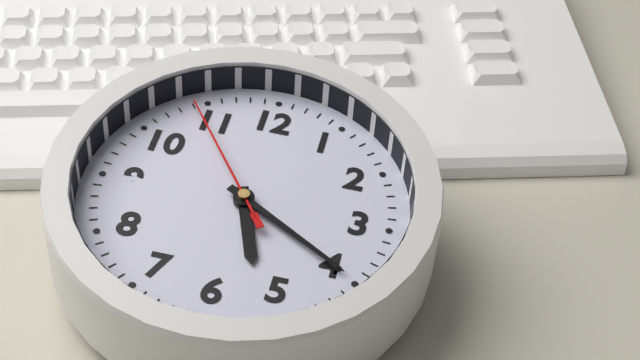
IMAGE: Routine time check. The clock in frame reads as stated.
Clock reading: 5:20:54
